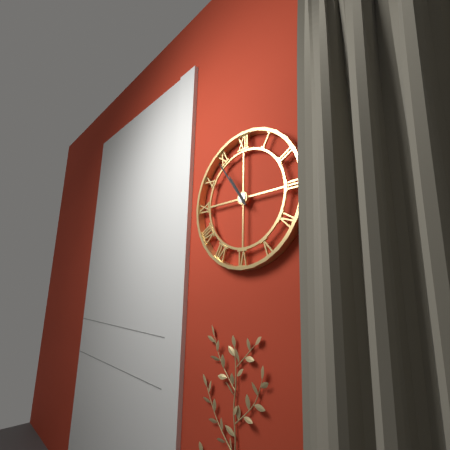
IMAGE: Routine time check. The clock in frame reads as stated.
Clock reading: 10:54
